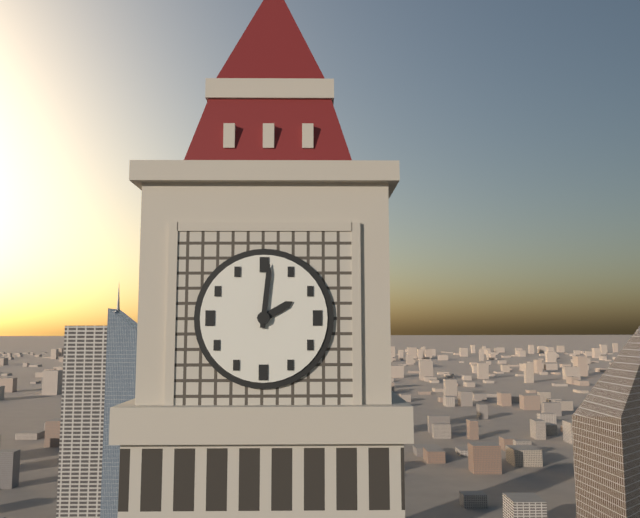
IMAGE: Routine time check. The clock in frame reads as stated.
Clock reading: 2:01
